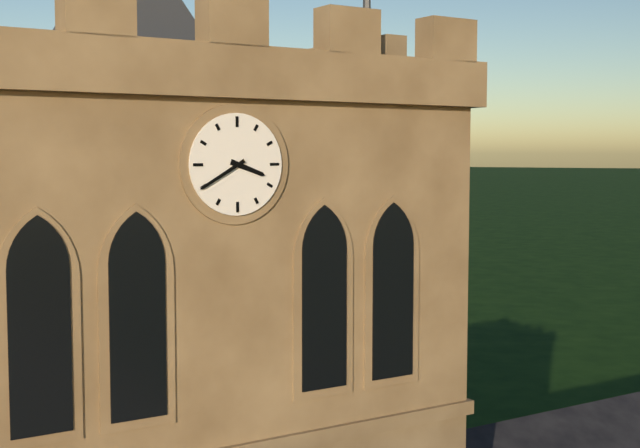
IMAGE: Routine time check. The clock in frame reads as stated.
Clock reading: 3:40
